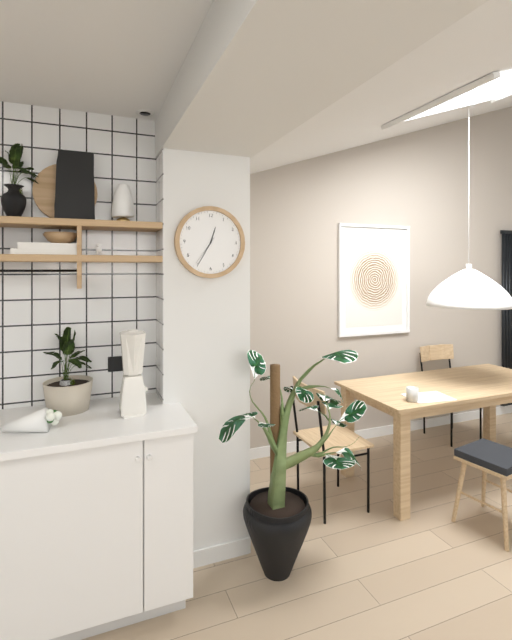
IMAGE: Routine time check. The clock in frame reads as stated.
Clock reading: 12:35
